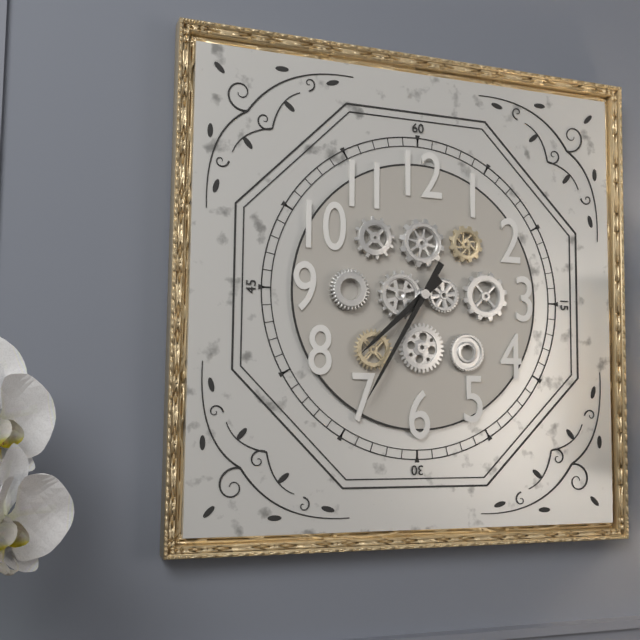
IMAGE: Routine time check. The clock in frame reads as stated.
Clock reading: 7:35
